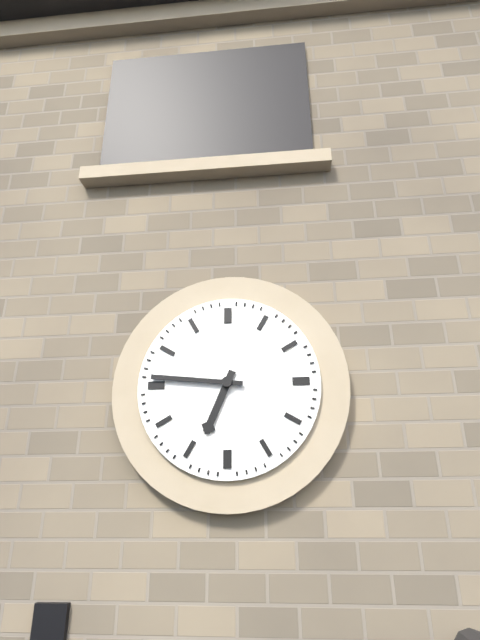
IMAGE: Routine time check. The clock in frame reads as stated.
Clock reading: 6:46
